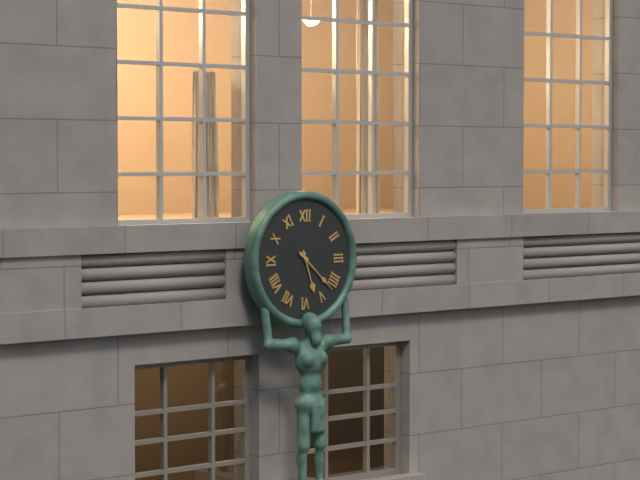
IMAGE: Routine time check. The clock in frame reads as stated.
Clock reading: 5:22
